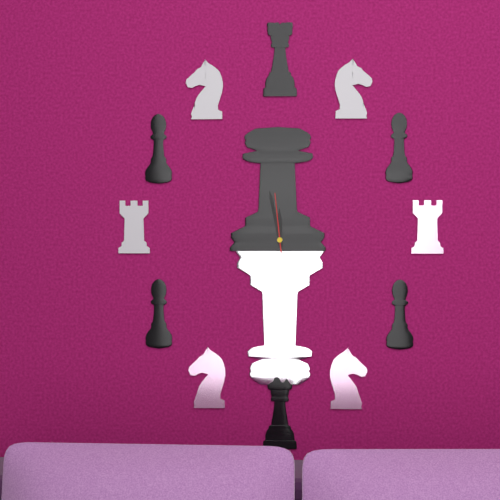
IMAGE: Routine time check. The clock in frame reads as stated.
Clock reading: 11:58:59
